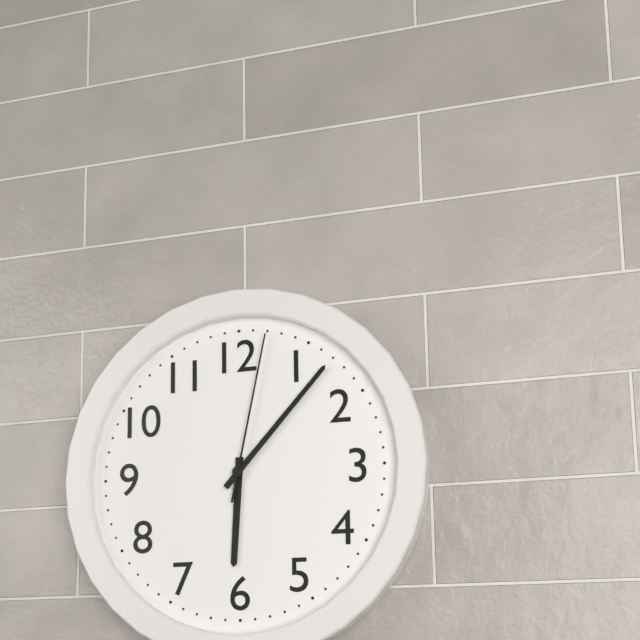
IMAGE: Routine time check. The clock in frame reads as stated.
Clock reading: 6:07:02
